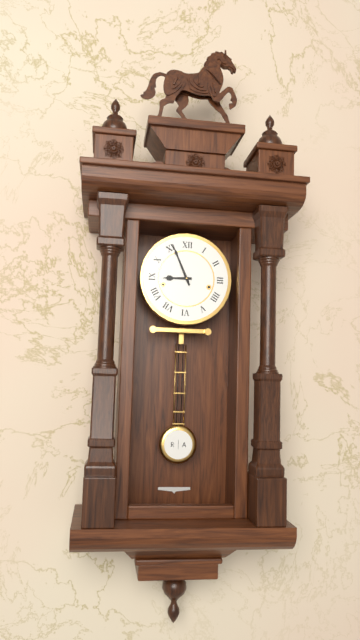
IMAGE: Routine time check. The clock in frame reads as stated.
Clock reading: 8:56
